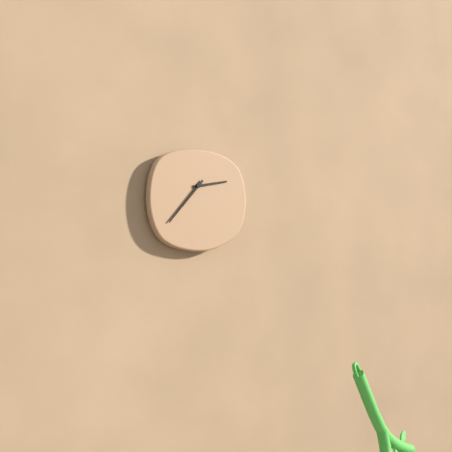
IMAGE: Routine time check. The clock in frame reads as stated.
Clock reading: 2:37
